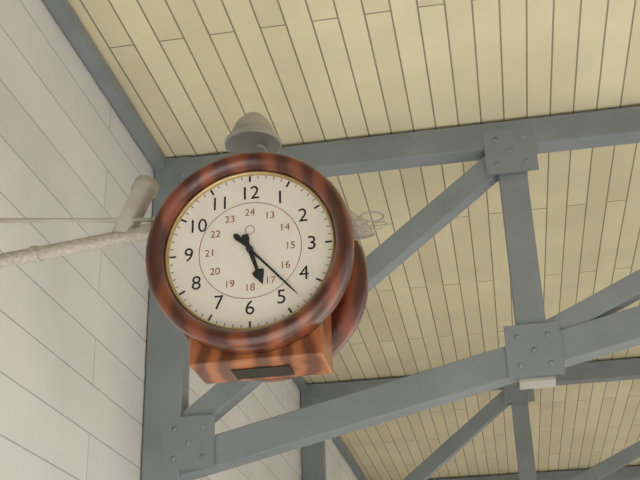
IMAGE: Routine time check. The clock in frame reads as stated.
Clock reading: 5:23
